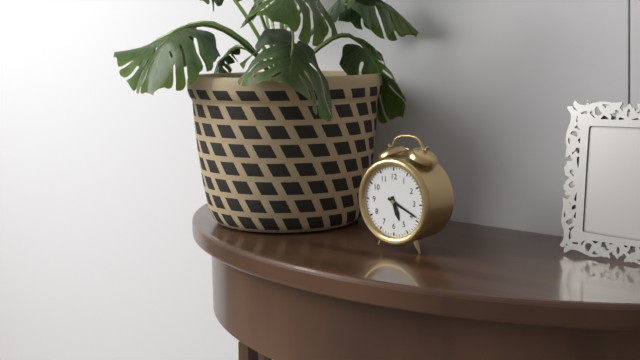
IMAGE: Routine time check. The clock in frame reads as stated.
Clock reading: 5:19
